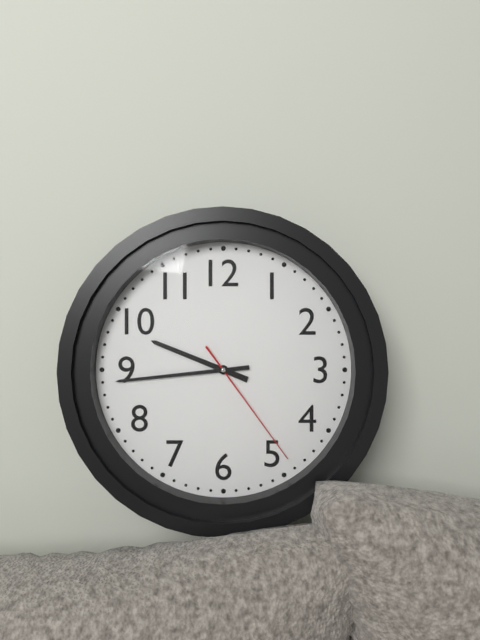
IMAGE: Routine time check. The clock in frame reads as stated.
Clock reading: 9:44:24
